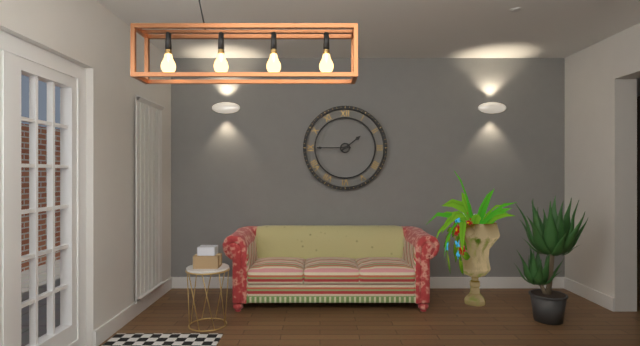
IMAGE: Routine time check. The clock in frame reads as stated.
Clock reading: 1:45
